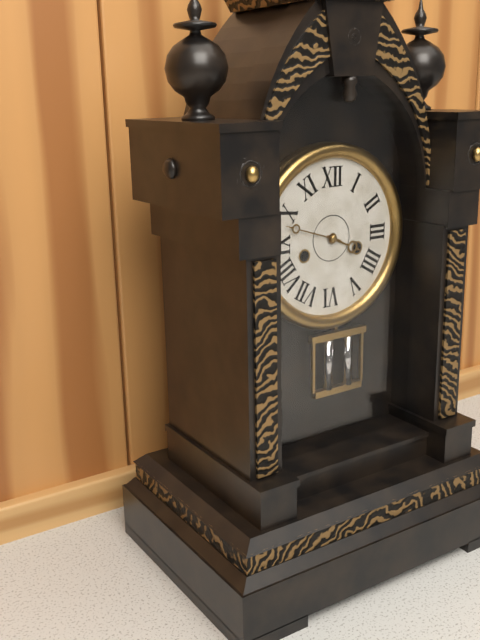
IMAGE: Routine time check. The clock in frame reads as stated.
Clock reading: 3:48
